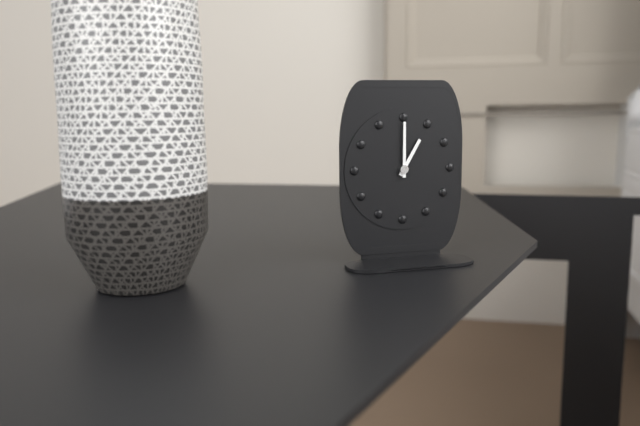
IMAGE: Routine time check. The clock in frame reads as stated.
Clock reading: 1:00
